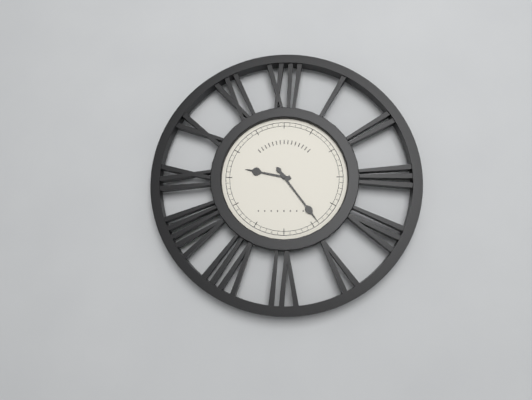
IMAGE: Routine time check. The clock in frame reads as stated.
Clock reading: 9:24
